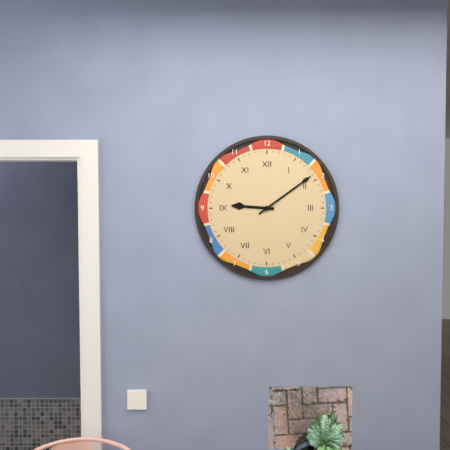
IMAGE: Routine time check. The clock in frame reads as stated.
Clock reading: 9:09
